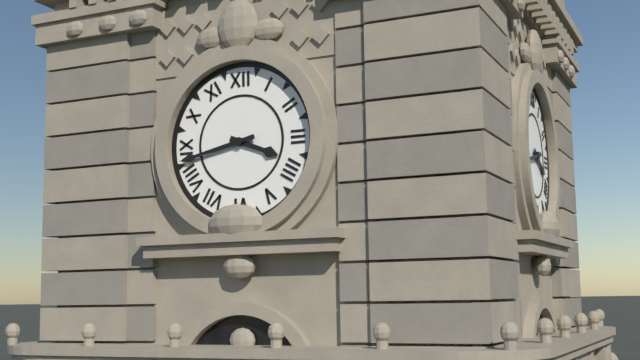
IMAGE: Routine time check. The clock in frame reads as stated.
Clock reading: 3:43
